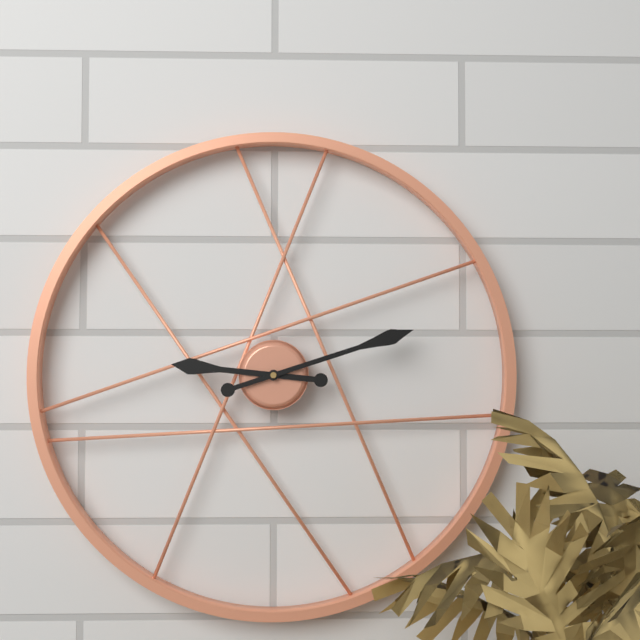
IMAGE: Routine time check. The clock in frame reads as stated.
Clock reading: 9:12
